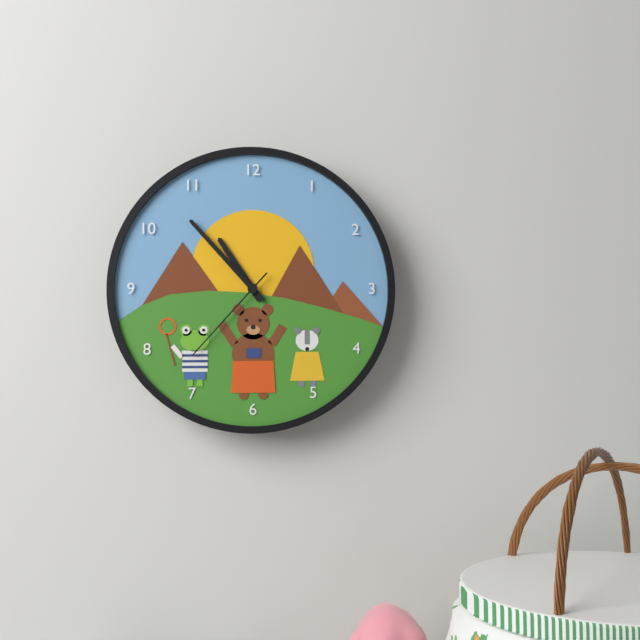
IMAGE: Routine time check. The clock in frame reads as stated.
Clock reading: 10:53:37
